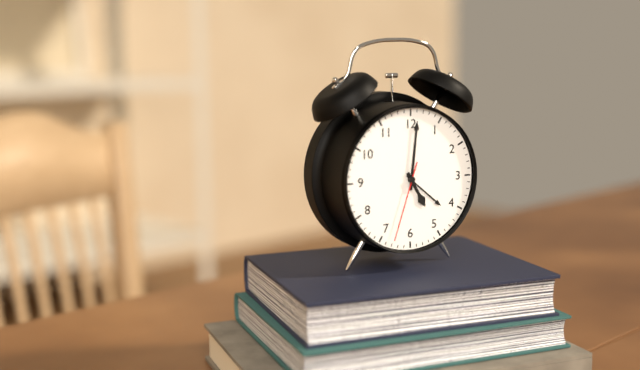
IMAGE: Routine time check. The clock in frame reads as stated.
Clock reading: 5:01:33
